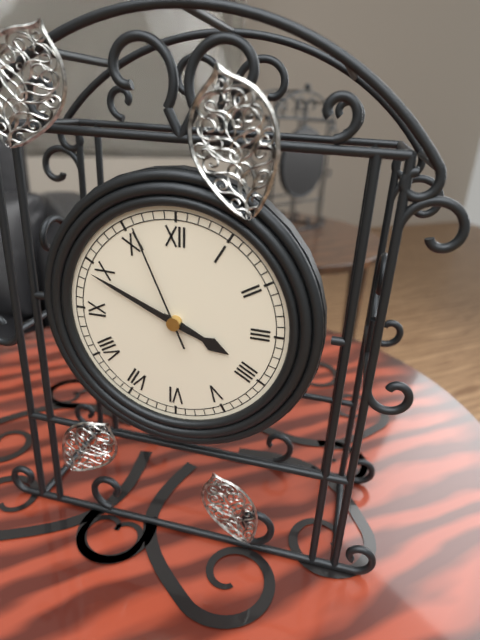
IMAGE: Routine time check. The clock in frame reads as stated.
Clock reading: 3:49:56
